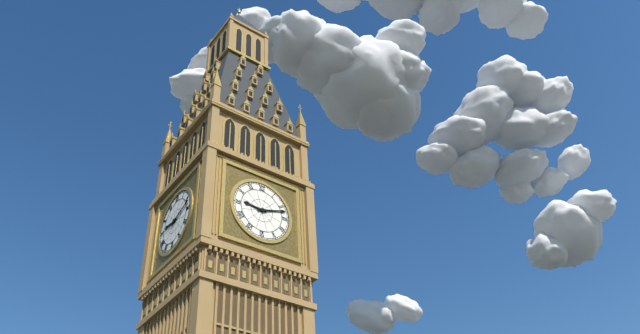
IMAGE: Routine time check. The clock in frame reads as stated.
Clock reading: 9:12
